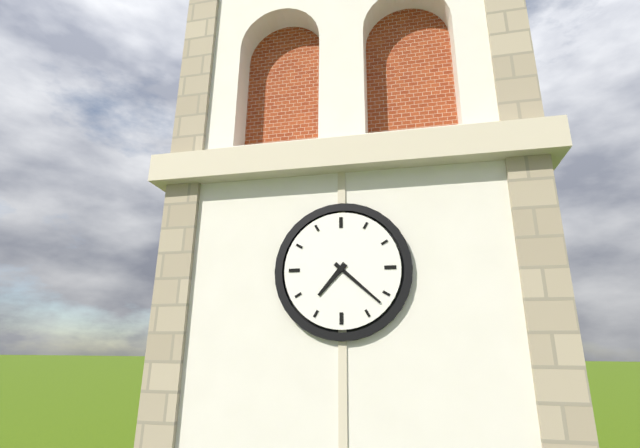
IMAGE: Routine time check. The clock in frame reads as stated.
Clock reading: 7:22
